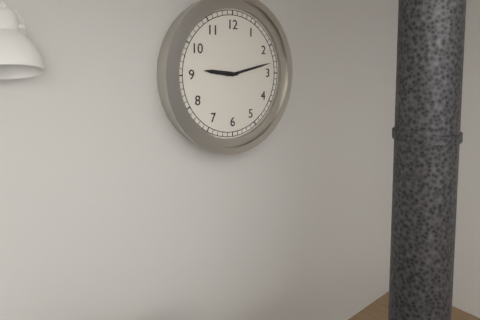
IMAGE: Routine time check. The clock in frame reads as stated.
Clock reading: 9:13
